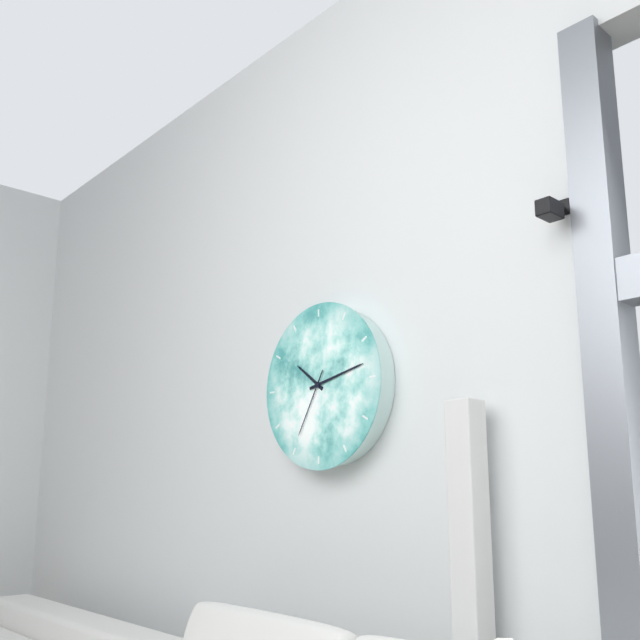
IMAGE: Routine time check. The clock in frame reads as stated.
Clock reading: 10:13:35
